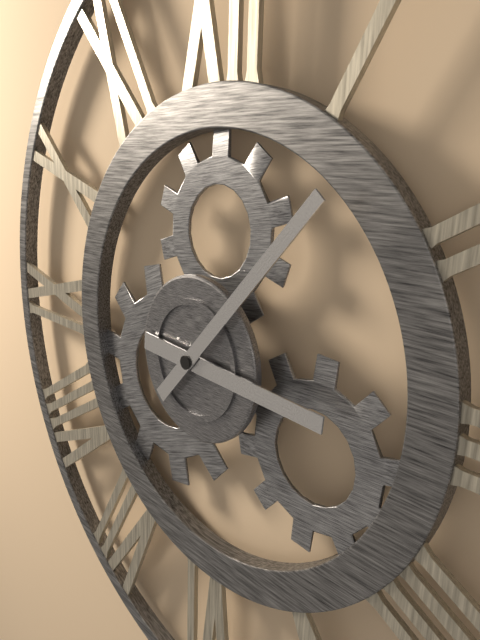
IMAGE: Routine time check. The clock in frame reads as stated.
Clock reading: 3:07
